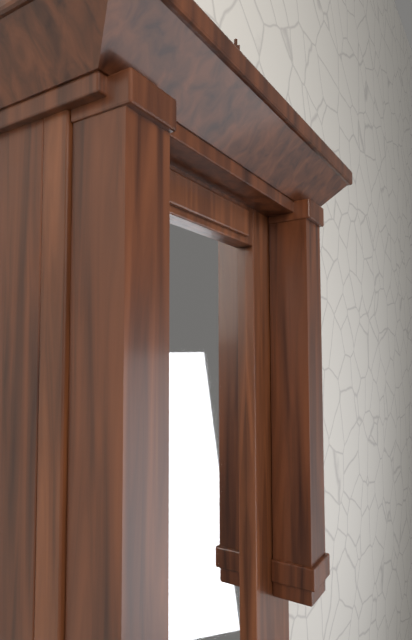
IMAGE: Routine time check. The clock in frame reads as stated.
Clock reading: 4:13
